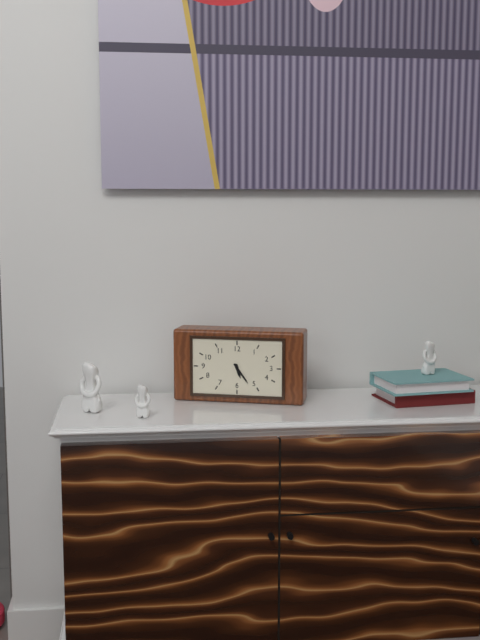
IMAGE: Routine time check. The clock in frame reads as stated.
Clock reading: 5:24
